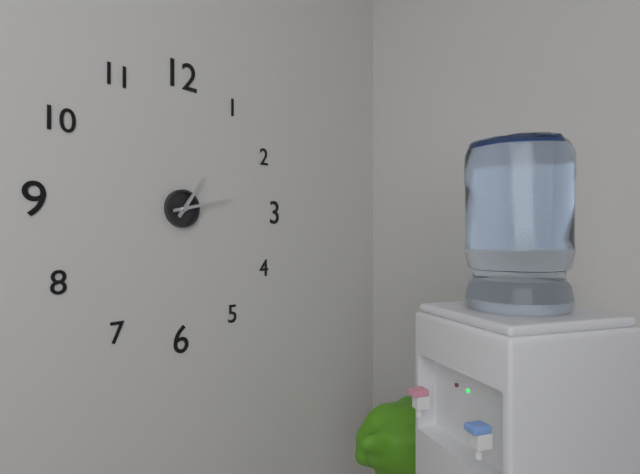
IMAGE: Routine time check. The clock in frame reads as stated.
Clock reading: 1:13
